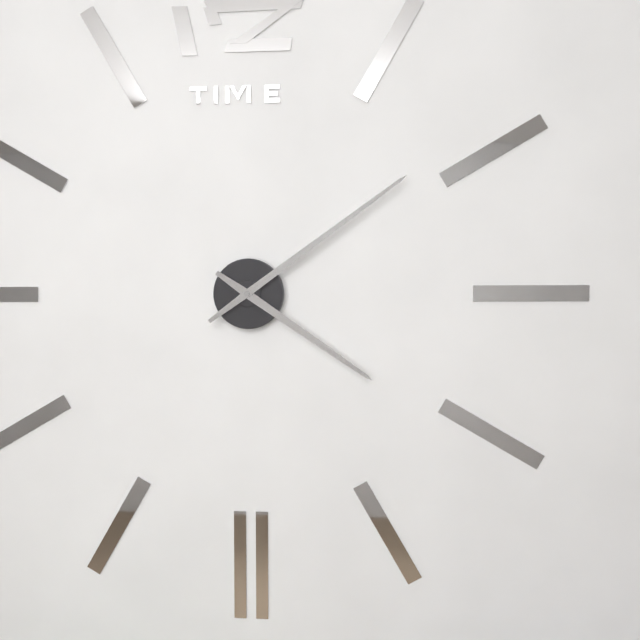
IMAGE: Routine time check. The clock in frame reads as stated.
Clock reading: 4:09
